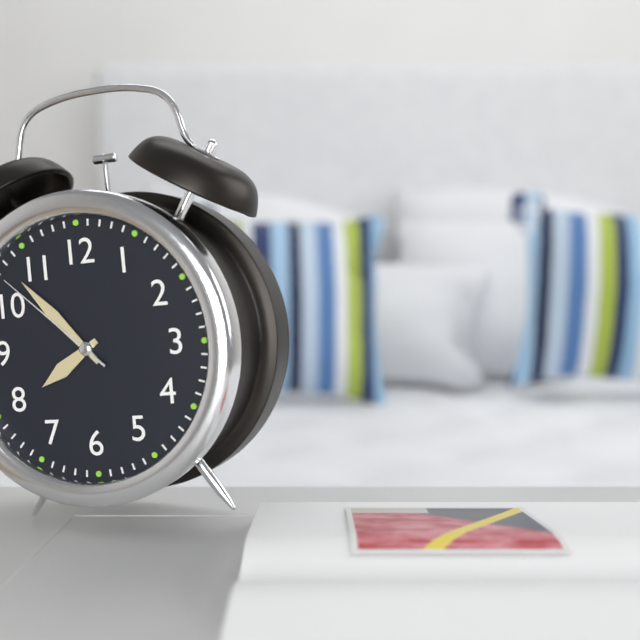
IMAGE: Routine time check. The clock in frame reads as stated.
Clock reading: 7:53:52
